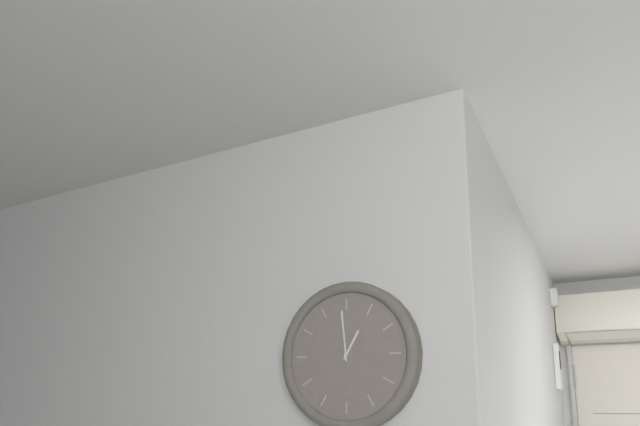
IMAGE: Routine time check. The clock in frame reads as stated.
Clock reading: 12:59
